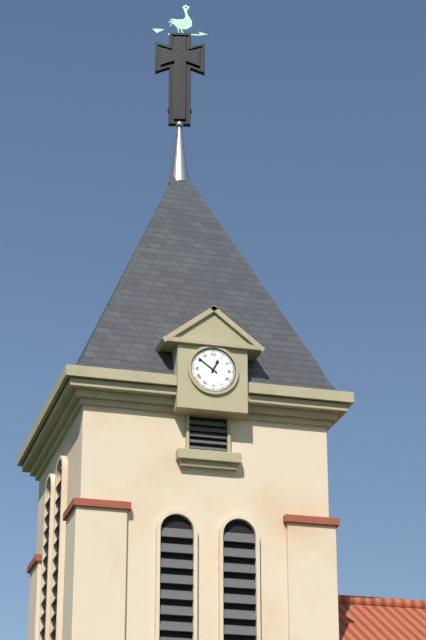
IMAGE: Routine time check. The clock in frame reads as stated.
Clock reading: 12:51
